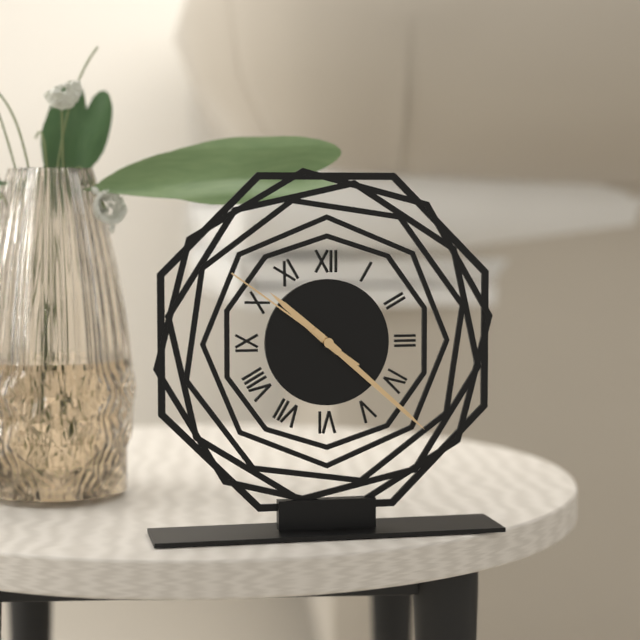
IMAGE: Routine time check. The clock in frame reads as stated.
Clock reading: 10:22:51
